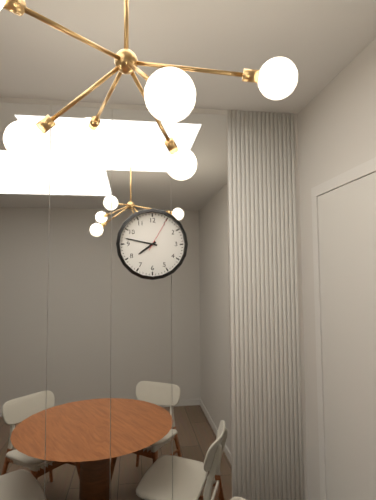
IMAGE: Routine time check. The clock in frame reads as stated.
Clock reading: 7:47
